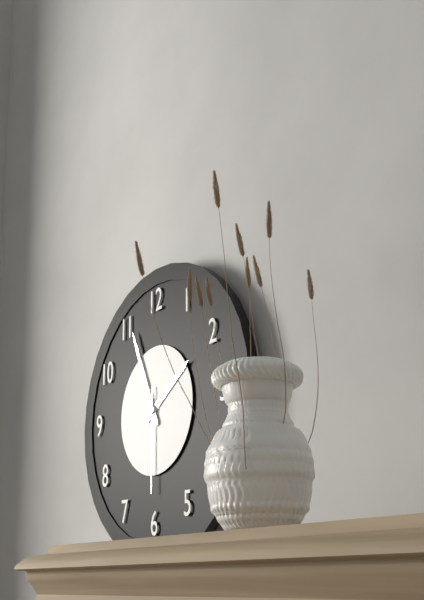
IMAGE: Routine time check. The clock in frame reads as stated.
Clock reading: 1:56:30
